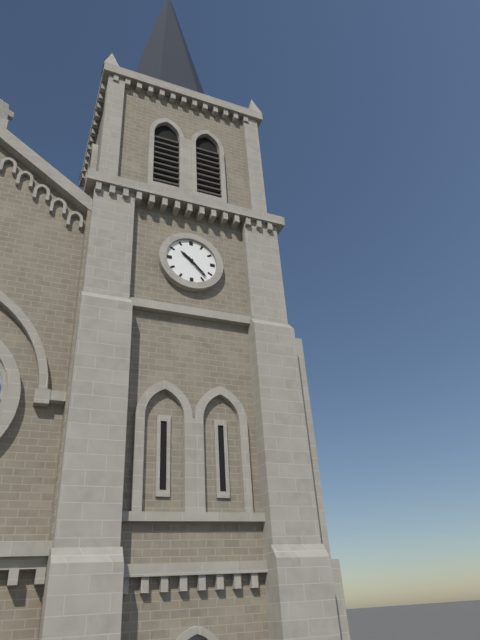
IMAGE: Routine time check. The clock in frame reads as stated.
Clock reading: 10:23
